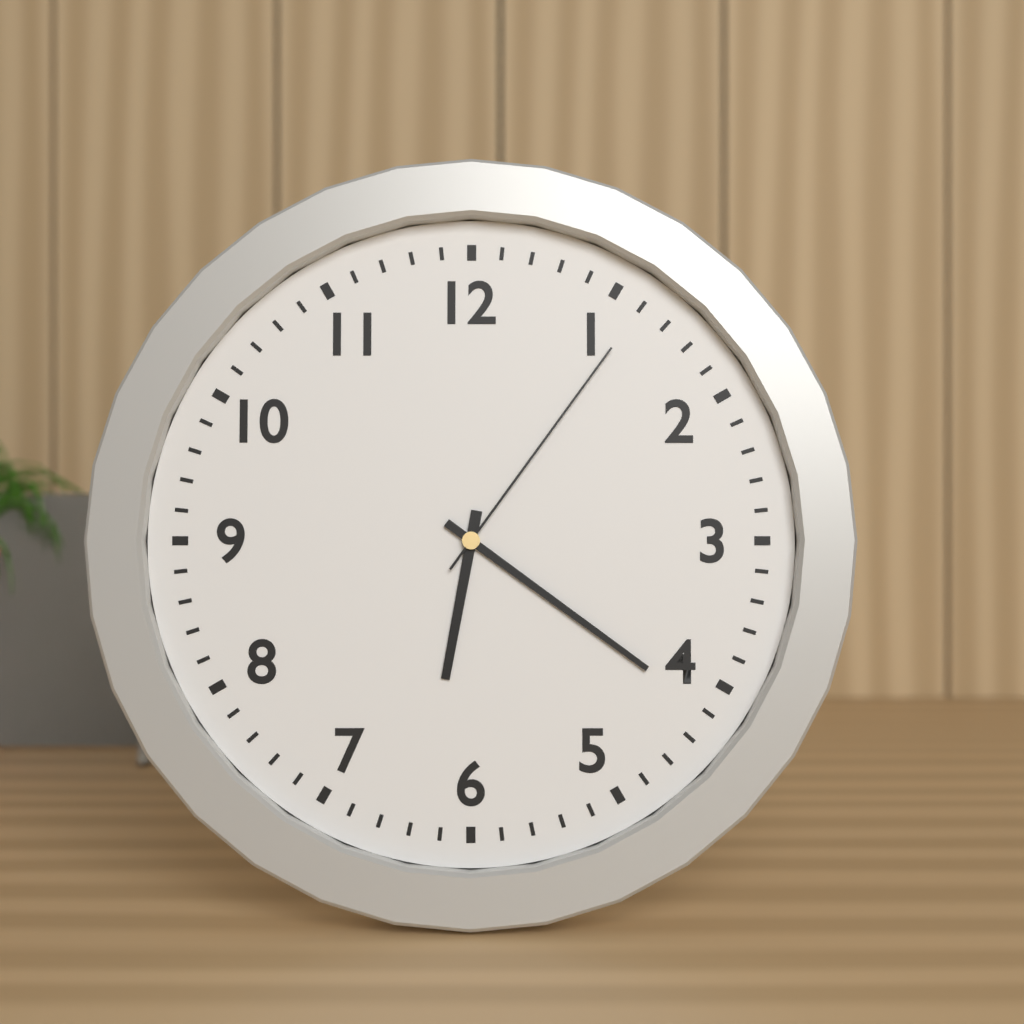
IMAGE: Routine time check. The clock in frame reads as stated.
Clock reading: 6:21:06
